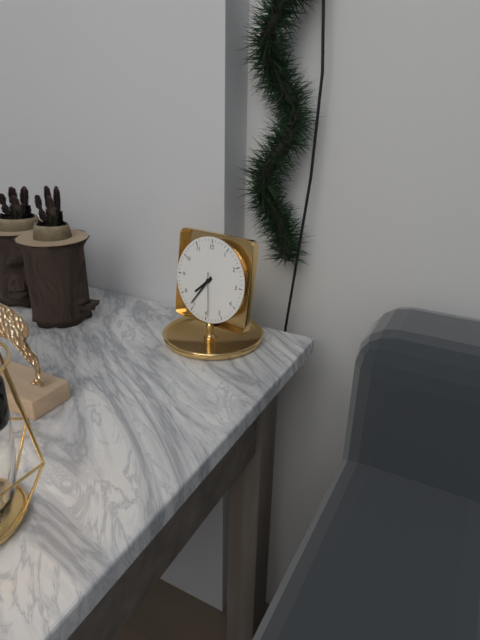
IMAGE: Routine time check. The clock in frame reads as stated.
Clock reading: 7:36
